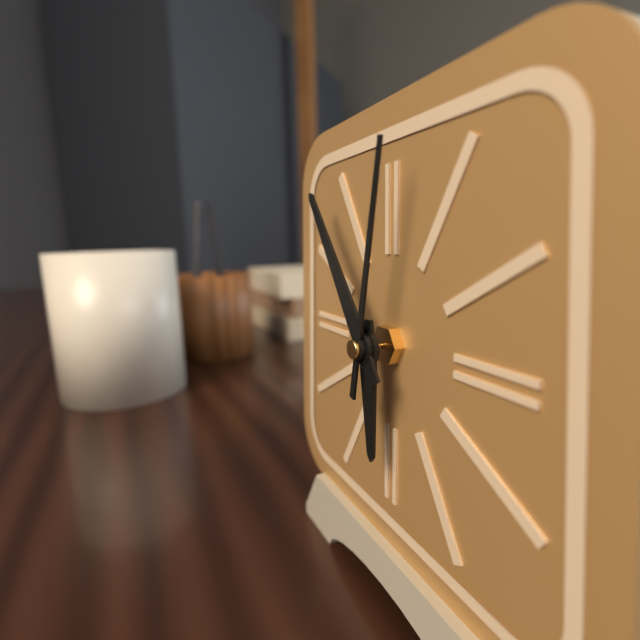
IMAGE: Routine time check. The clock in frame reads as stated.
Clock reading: 5:54:02
